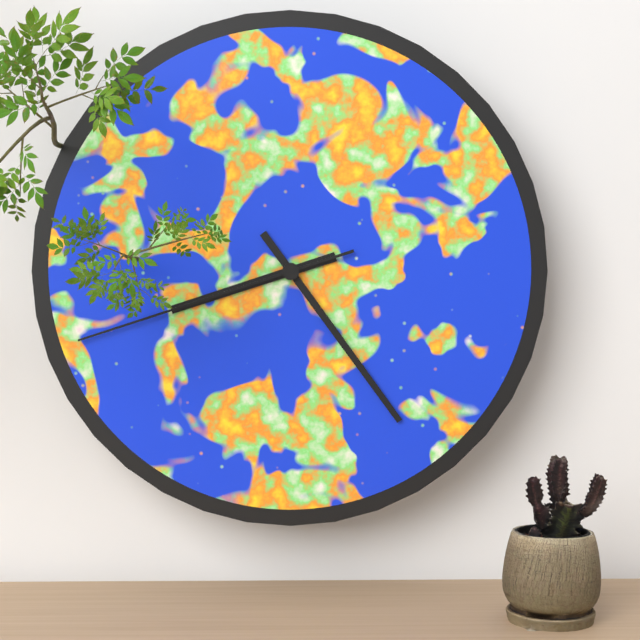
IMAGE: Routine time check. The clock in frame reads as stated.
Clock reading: 8:24:42
